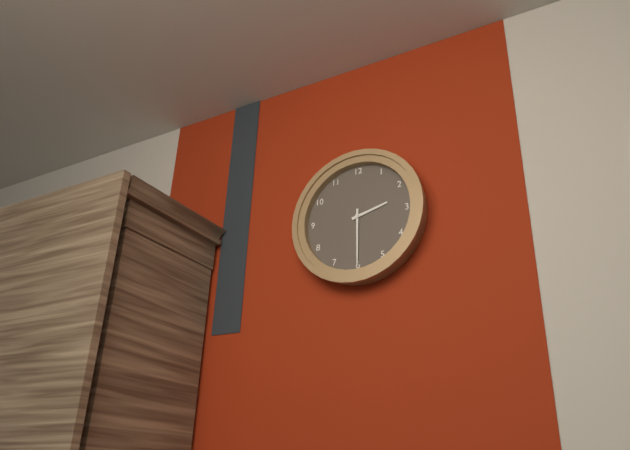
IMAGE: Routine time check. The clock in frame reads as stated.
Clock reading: 2:30
